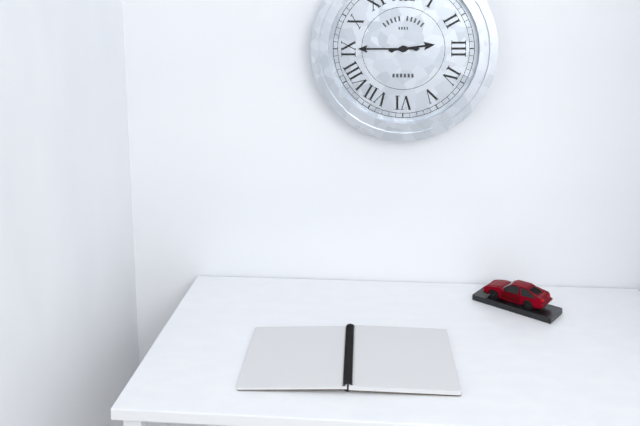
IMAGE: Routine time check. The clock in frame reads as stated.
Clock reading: 2:45
